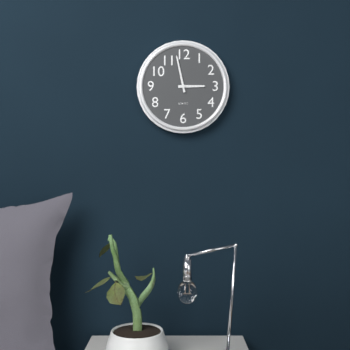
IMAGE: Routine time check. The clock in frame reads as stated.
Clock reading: 2:58
